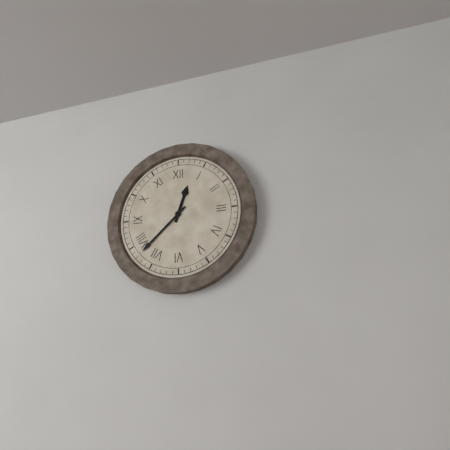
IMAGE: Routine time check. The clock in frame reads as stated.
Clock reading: 12:38
